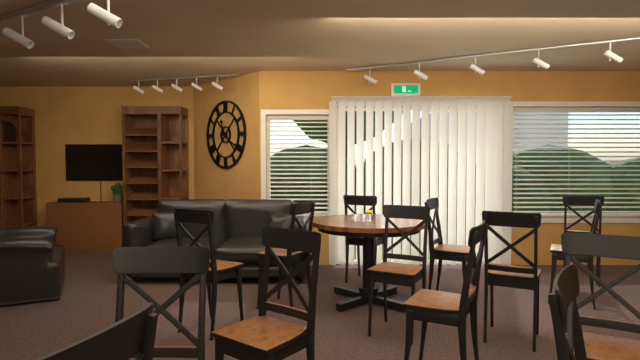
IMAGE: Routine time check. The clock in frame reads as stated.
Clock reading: 11:20
